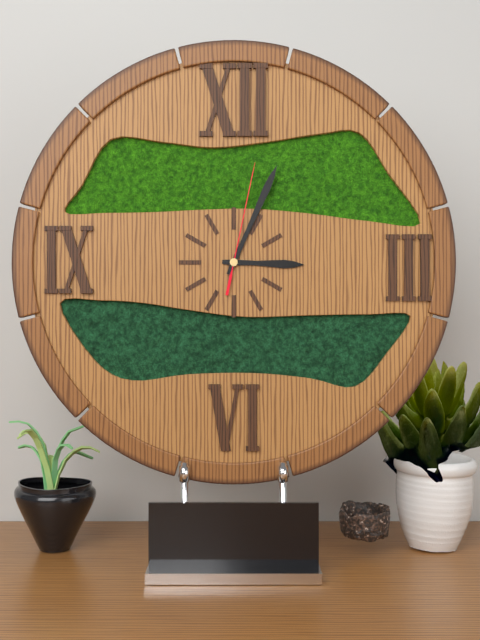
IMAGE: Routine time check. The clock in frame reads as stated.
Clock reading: 3:04:02
